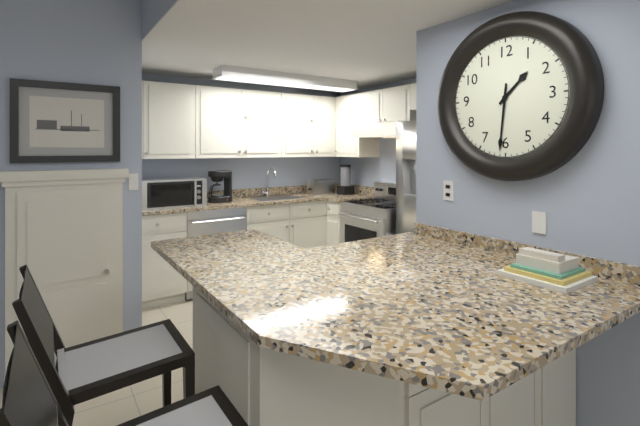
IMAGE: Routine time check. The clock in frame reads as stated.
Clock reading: 1:31
